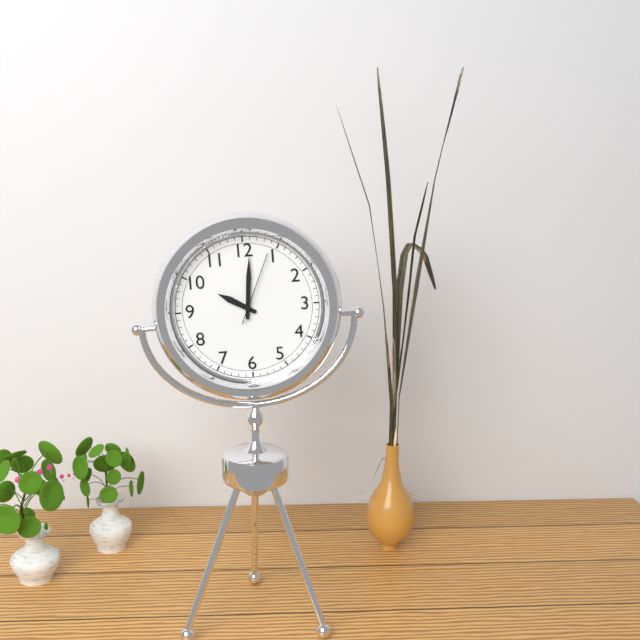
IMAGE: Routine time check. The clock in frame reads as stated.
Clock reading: 10:01:04
